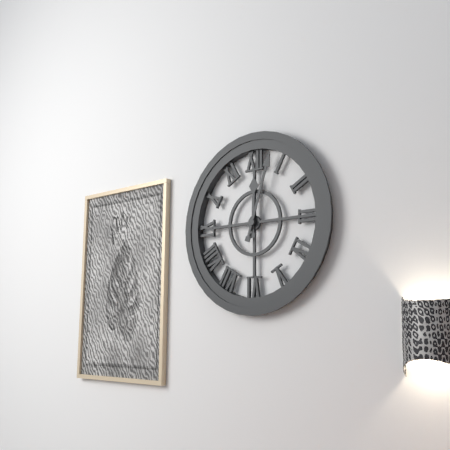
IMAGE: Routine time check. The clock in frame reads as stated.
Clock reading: 12:03
